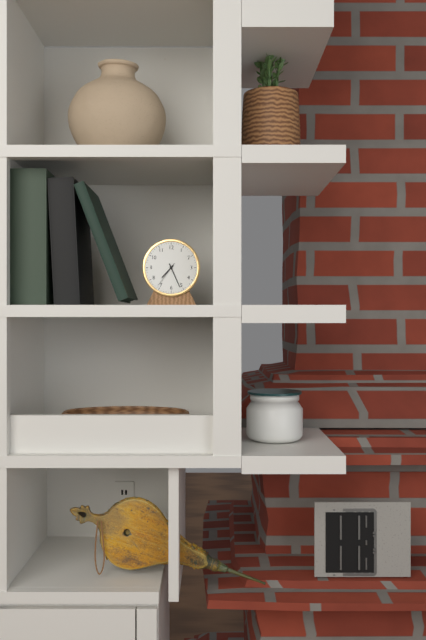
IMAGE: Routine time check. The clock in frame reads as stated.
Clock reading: 7:26
